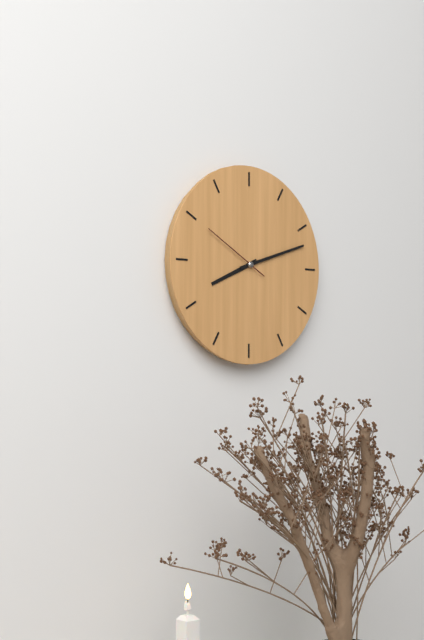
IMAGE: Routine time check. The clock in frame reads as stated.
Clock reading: 8:12:50
